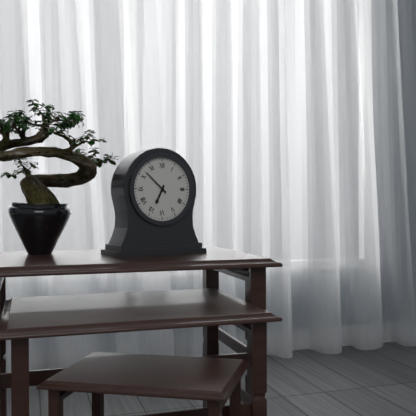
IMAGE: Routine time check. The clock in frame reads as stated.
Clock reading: 6:52
